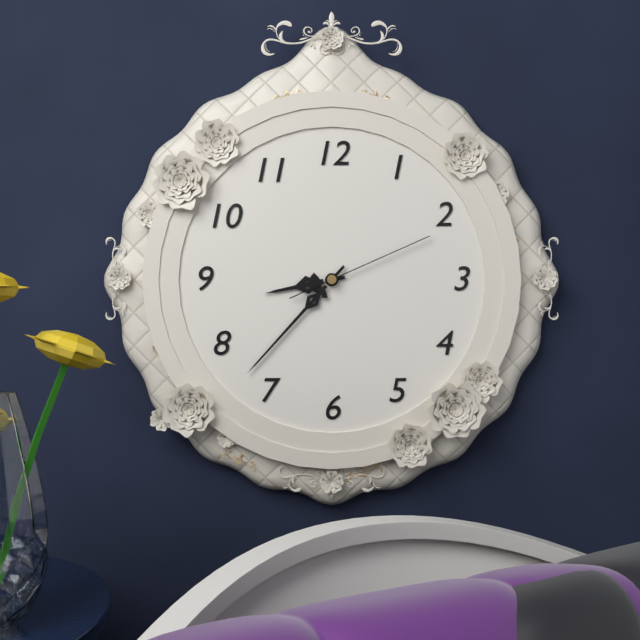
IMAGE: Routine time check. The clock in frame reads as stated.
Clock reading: 8:37:11
